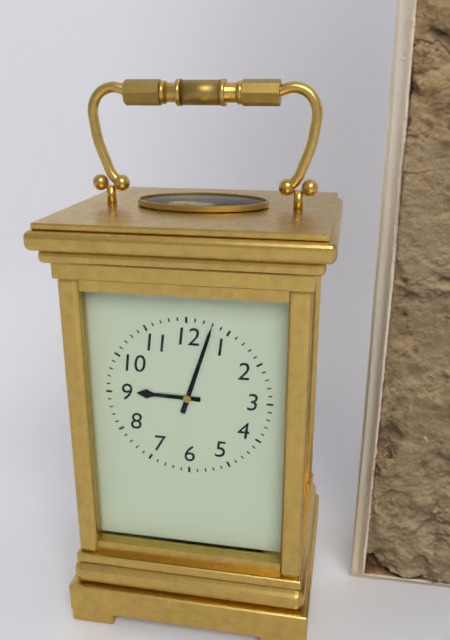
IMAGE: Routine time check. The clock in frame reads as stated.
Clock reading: 9:03
